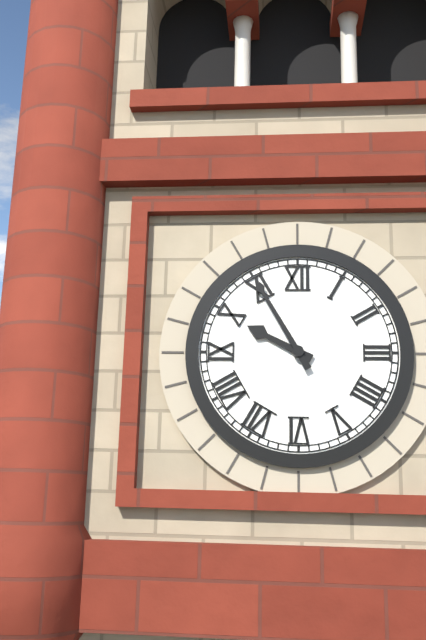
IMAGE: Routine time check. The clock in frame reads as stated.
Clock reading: 9:55
